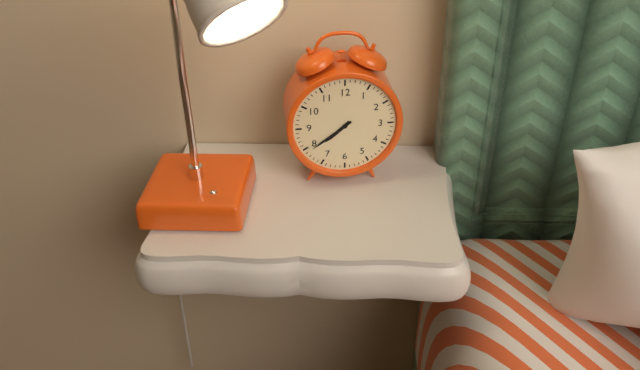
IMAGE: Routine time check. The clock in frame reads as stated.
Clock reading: 7:39
